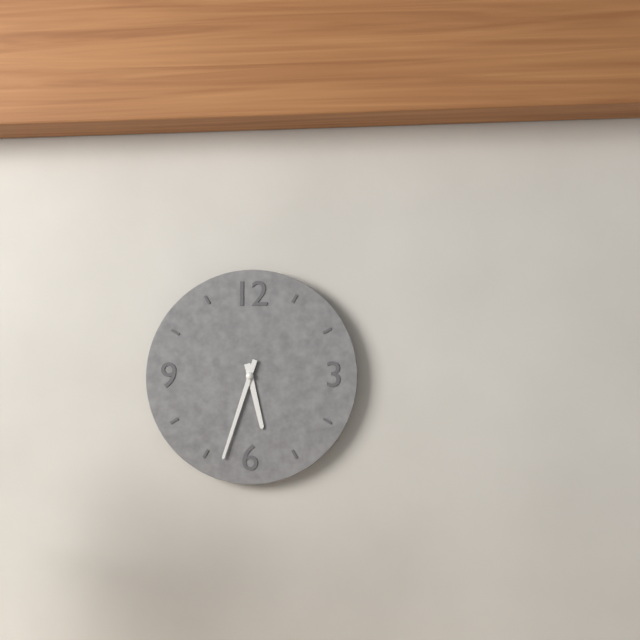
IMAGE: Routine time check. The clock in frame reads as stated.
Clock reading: 5:33
